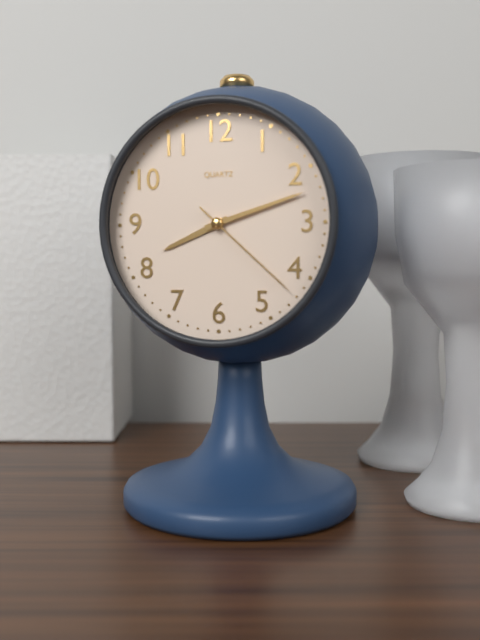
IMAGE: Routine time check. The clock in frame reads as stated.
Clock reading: 8:12:22
